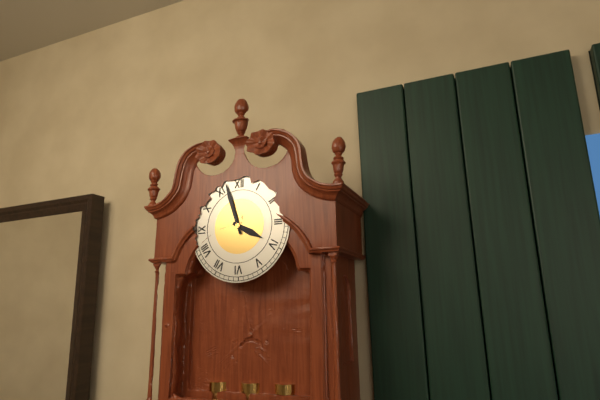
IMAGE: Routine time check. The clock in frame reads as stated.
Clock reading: 3:57
